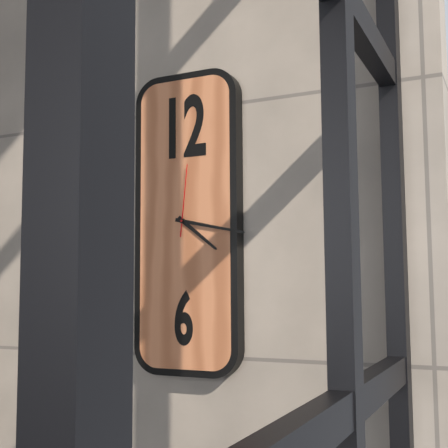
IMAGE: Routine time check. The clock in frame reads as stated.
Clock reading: 4:17:01
